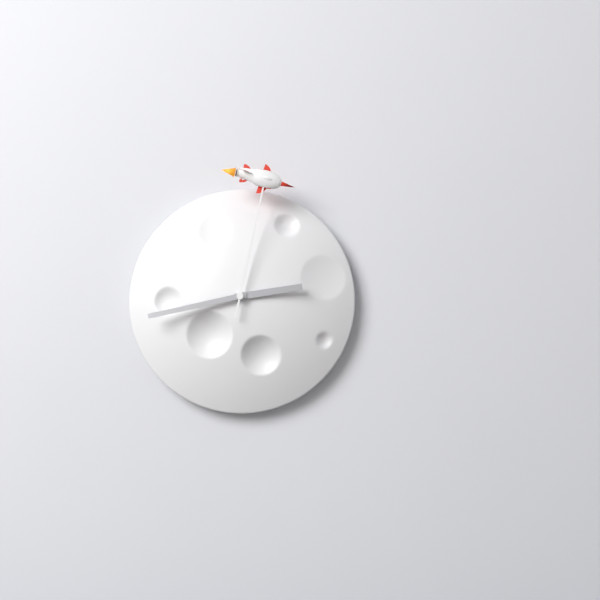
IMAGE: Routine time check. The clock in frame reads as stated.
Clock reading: 2:43:02
